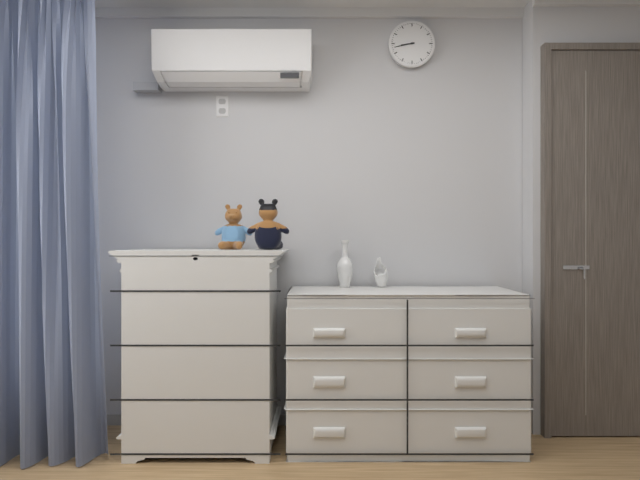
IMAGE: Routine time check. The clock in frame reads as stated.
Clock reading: 8:43
